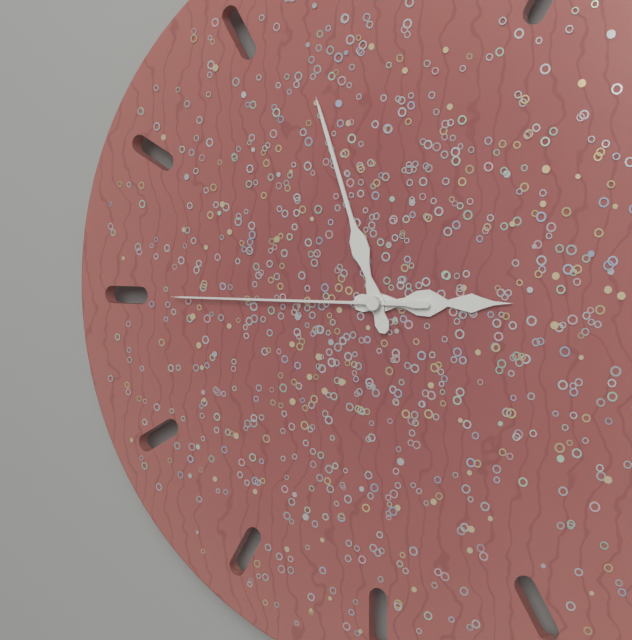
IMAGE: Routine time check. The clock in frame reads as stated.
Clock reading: 2:57:45
